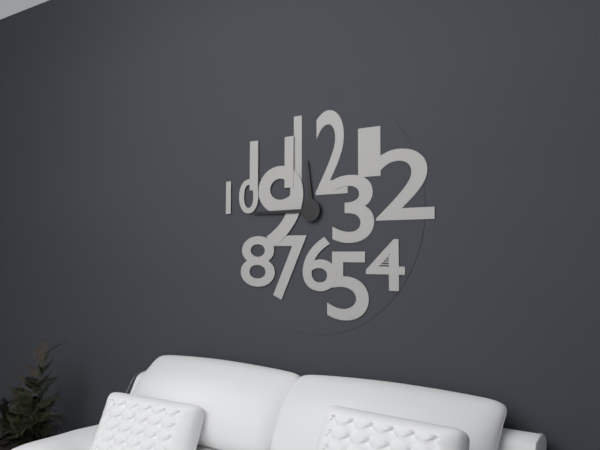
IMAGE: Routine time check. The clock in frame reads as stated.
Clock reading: 11:45
